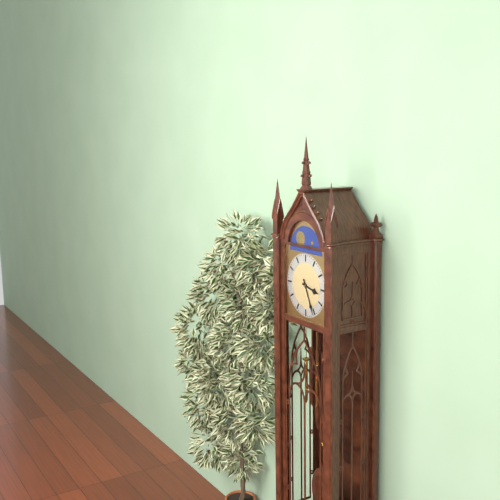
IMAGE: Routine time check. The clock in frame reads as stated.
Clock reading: 3:26
